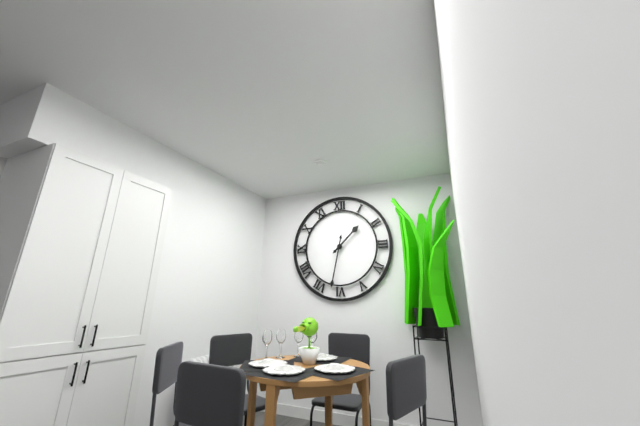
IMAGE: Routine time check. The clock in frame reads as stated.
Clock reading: 1:32
